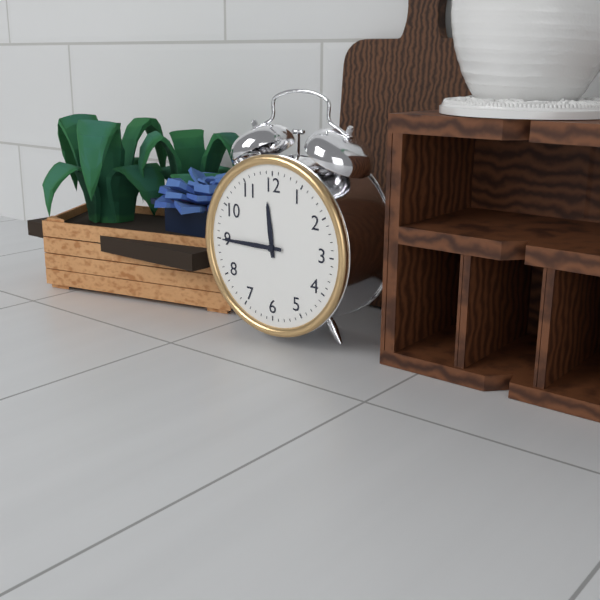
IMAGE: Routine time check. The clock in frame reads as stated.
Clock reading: 11:45
